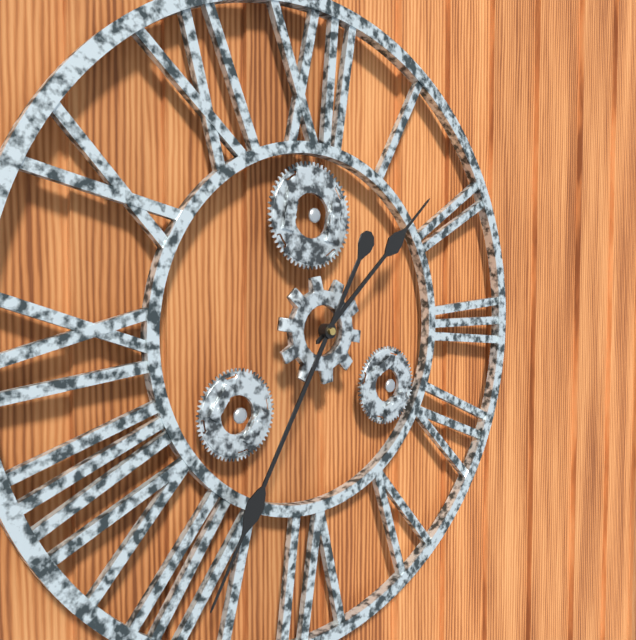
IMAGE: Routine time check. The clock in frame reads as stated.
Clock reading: 1:35
